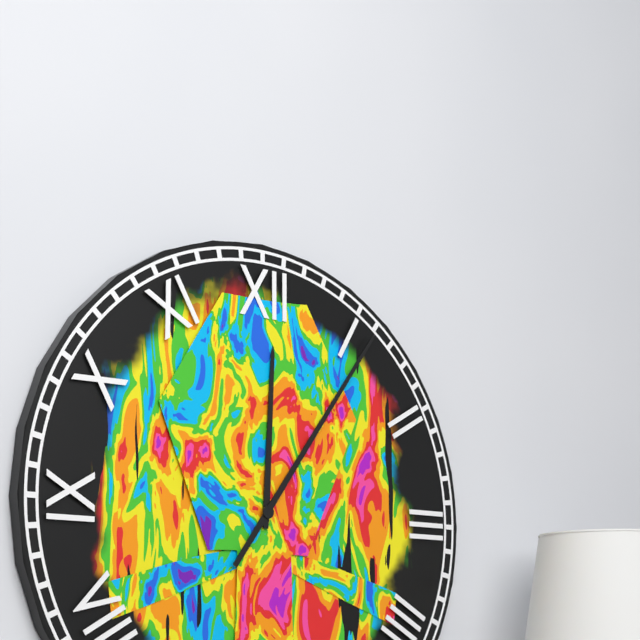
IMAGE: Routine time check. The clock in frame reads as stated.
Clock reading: 12:06
